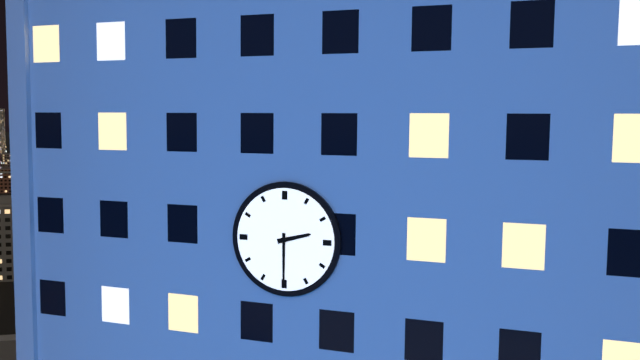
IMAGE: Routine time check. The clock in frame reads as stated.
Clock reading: 2:30
